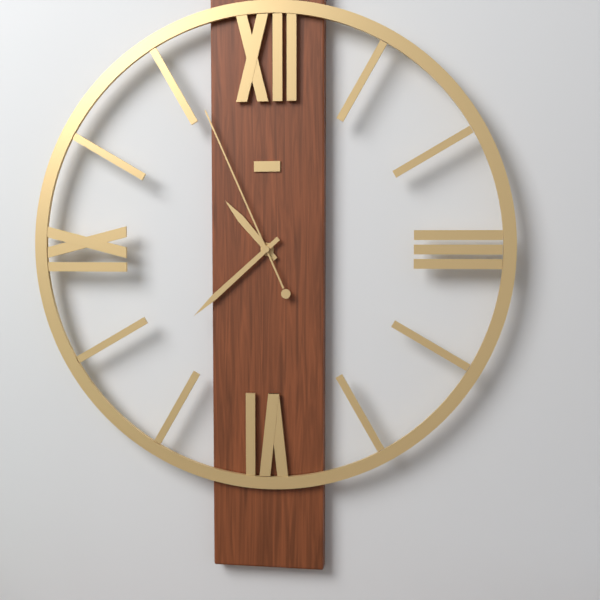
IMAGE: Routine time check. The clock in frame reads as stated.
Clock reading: 10:38:56
